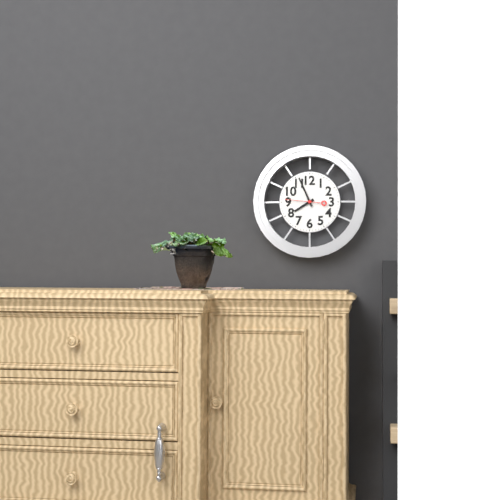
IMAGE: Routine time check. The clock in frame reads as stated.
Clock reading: 7:56
